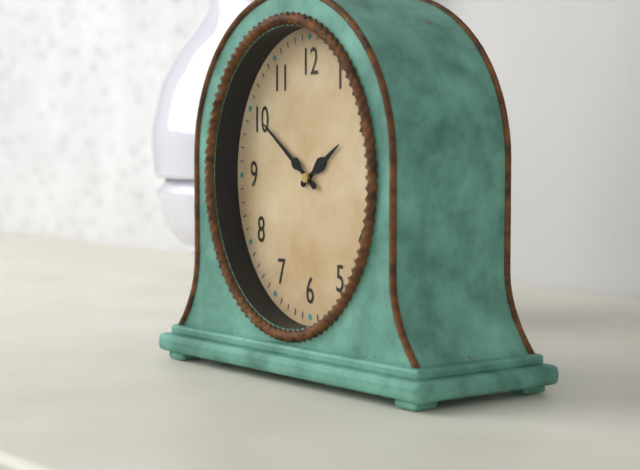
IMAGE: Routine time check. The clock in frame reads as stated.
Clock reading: 1:51
